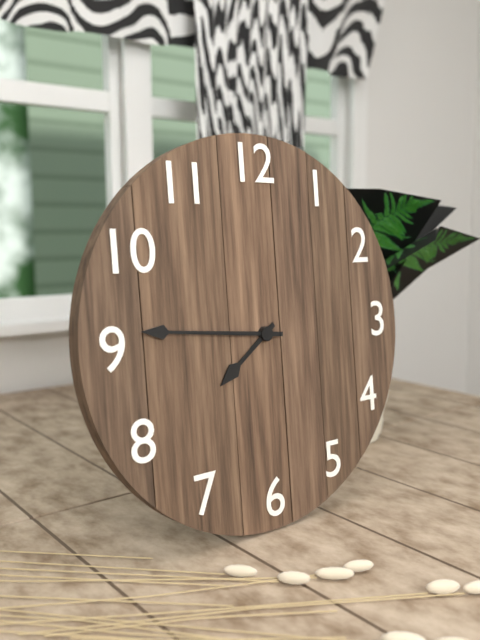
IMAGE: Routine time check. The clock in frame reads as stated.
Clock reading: 7:46
